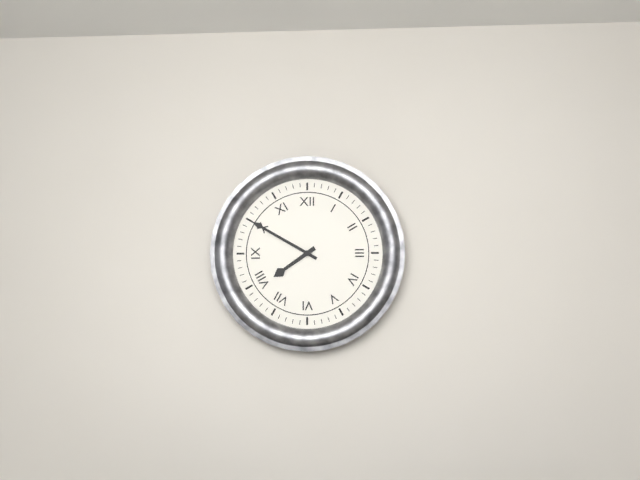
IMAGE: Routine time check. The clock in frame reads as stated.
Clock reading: 7:50
